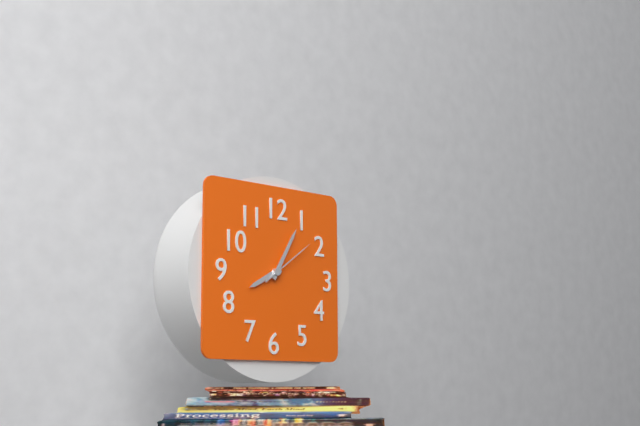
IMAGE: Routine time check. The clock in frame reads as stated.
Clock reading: 8:05:09
